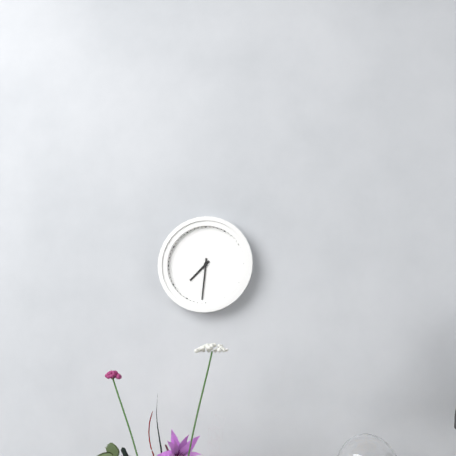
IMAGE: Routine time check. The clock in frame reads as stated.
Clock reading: 7:31
